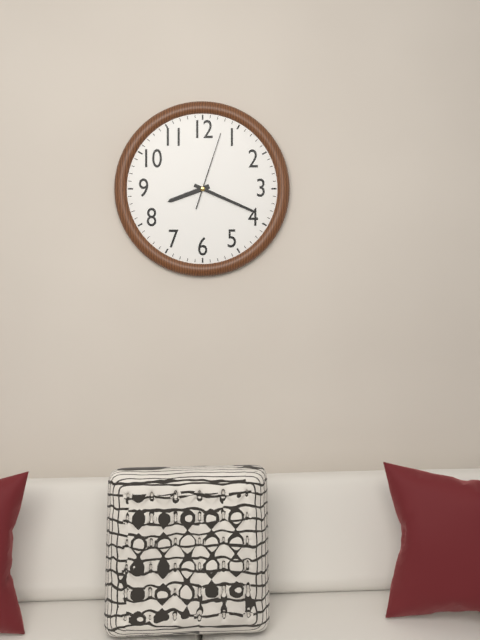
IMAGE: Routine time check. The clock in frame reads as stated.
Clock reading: 8:19:03
